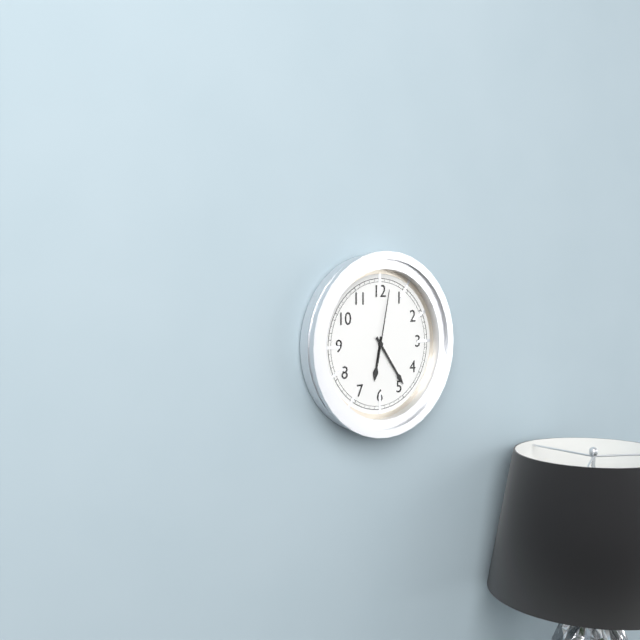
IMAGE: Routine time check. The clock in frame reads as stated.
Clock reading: 6:24:02
